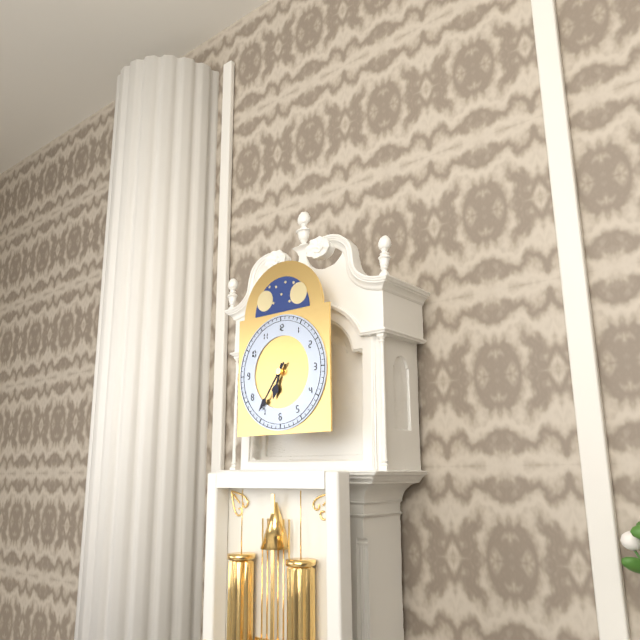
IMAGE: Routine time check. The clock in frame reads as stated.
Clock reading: 6:36
